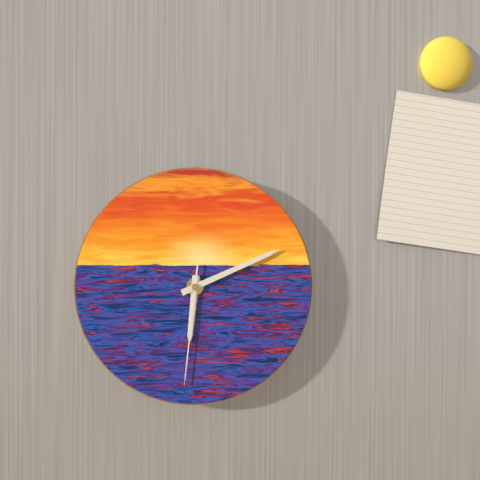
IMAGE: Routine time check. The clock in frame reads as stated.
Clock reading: 6:11:31
